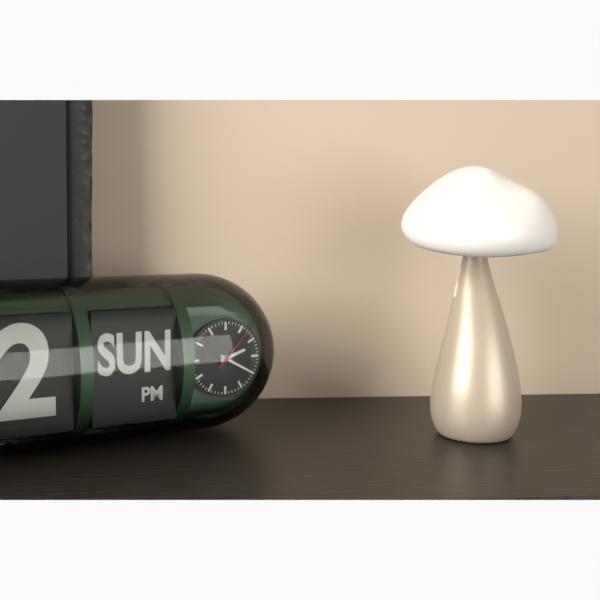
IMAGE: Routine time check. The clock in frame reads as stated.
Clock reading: 2:20
